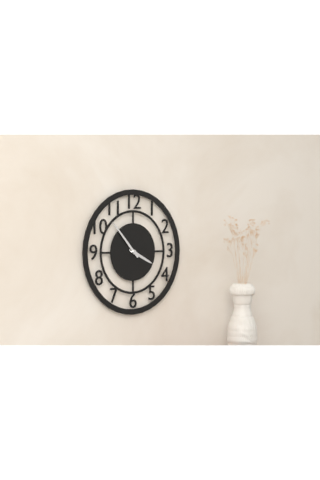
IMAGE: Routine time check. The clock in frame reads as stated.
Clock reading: 3:53
